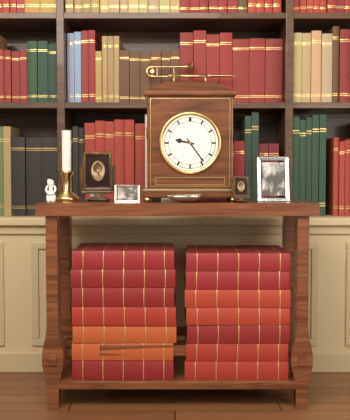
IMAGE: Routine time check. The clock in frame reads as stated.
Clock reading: 9:24
